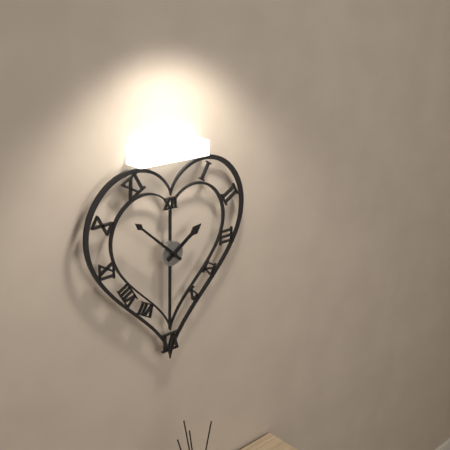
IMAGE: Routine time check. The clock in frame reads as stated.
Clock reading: 1:52
